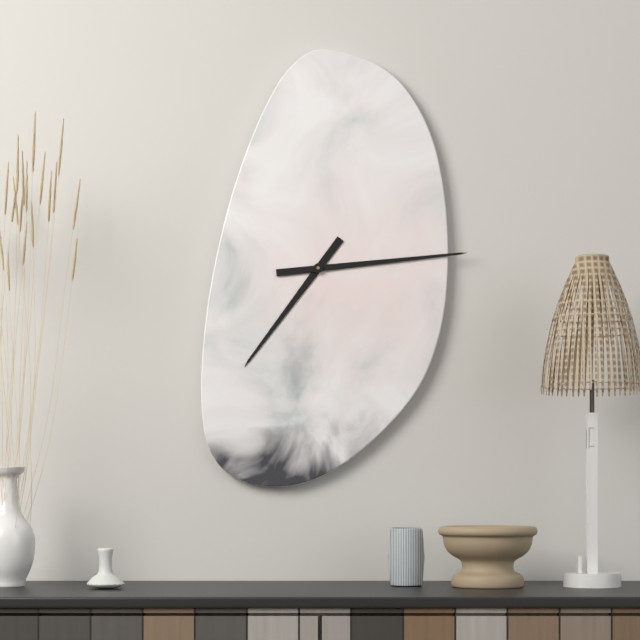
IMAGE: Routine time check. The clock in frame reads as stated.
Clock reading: 7:14
